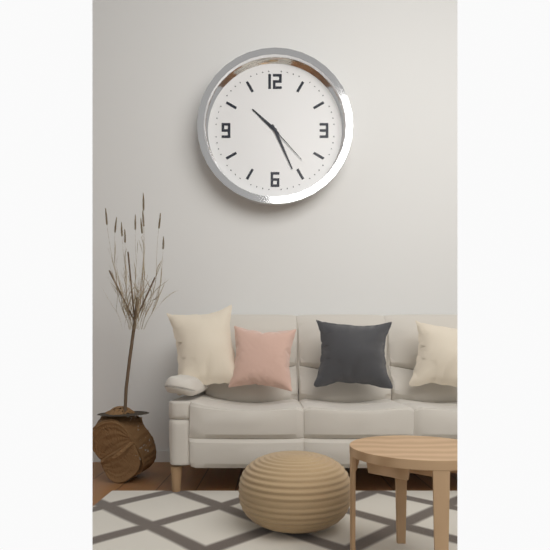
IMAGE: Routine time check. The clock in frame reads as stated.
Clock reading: 10:26
